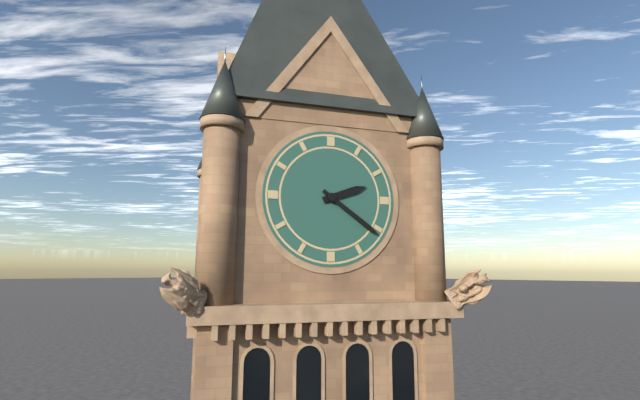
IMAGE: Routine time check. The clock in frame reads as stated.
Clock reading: 2:21
